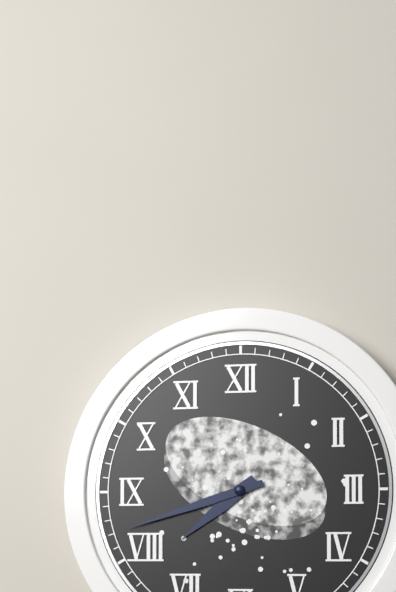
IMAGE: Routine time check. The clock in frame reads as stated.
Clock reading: 7:42
